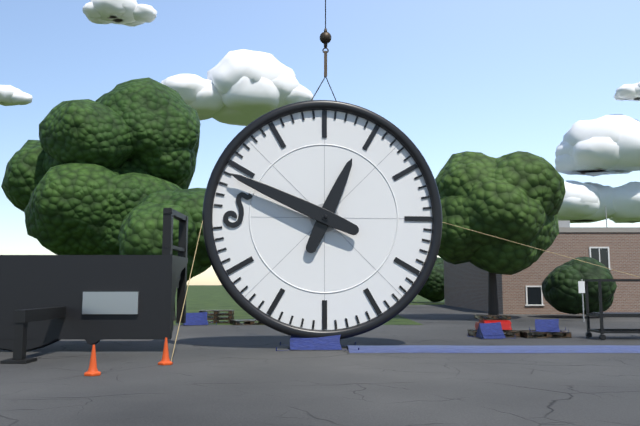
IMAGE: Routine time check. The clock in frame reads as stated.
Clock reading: 12:49
